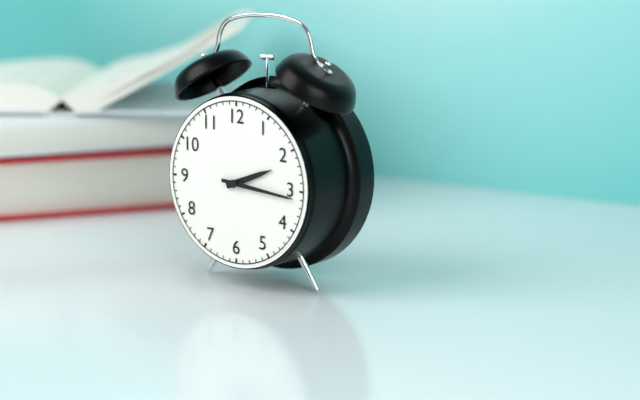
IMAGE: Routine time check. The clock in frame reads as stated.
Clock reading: 2:16
